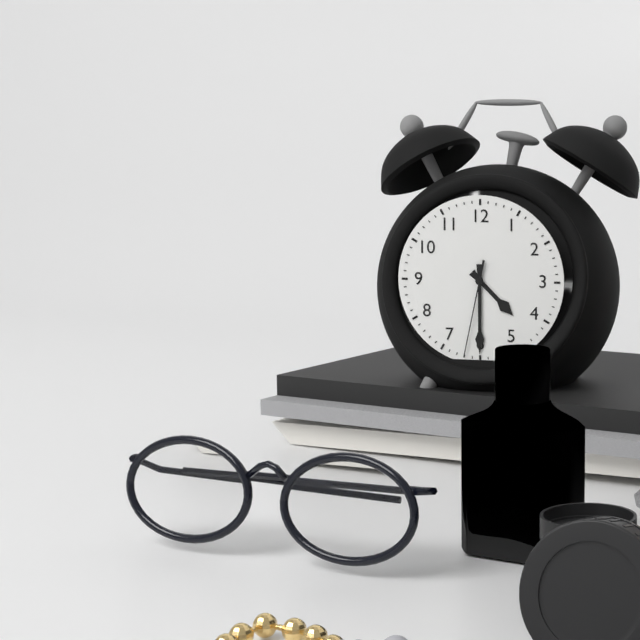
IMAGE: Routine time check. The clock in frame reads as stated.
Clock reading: 4:30:32
